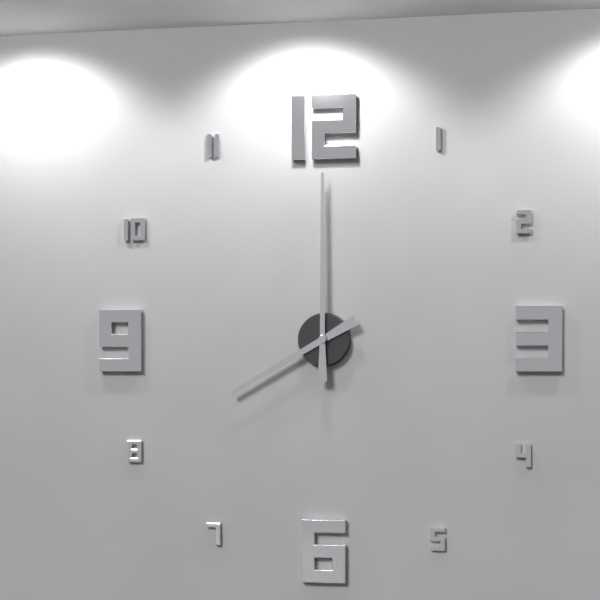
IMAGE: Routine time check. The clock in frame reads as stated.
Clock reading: 8:00
